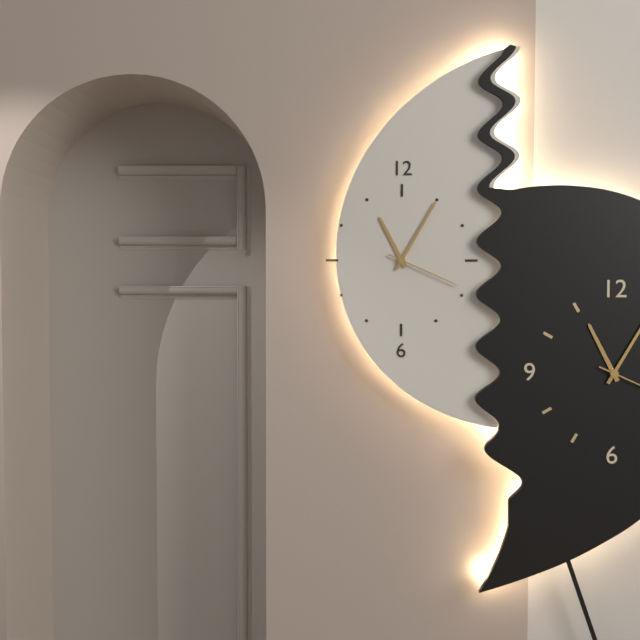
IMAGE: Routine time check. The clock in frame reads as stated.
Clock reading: 11:05:19
